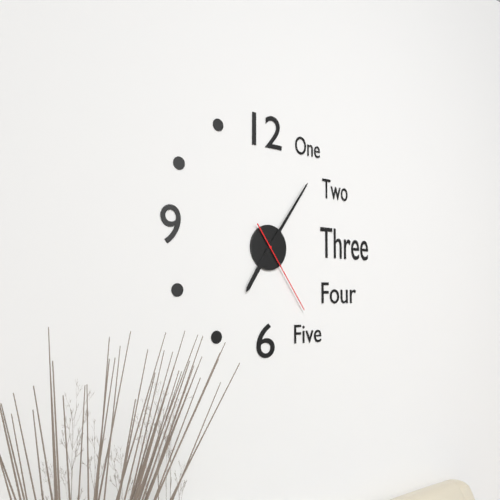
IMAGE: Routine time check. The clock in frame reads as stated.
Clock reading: 7:06:24
